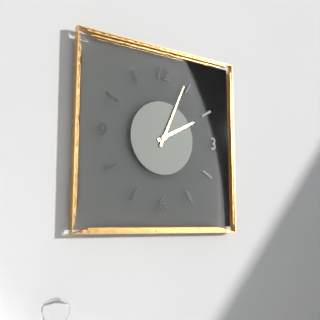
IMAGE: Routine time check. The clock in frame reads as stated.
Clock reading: 2:04
